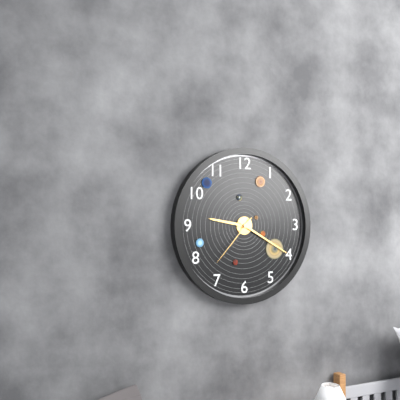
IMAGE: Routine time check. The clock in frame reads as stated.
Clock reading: 9:20:37
